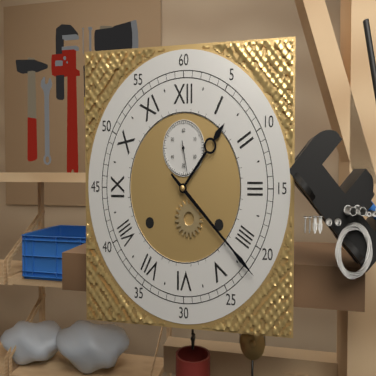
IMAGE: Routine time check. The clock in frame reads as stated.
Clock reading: 1:22
